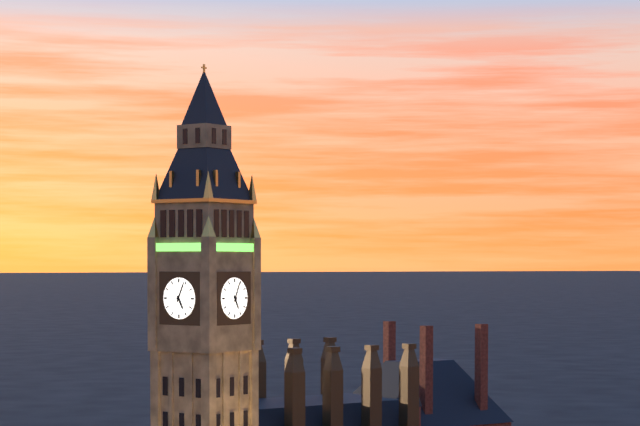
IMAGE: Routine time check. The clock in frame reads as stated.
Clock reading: 5:04
